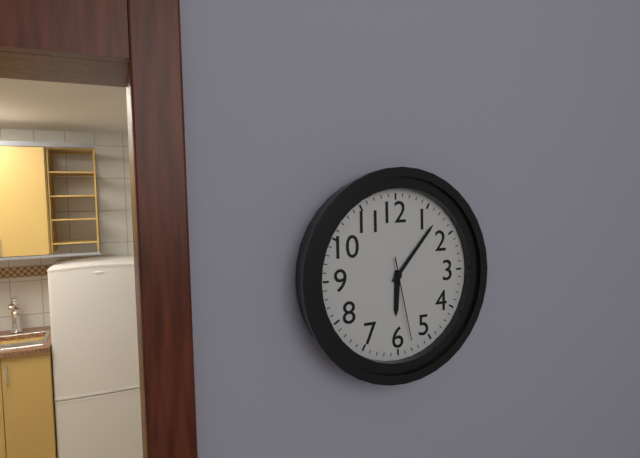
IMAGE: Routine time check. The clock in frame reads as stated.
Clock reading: 6:07:28
